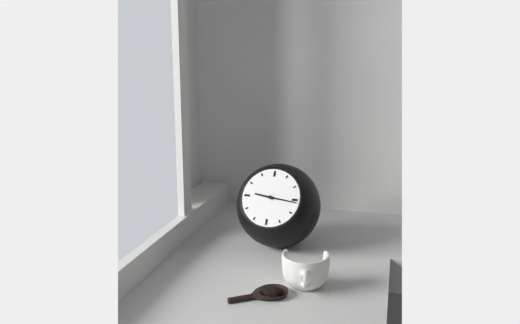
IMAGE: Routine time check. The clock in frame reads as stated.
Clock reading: 9:16
